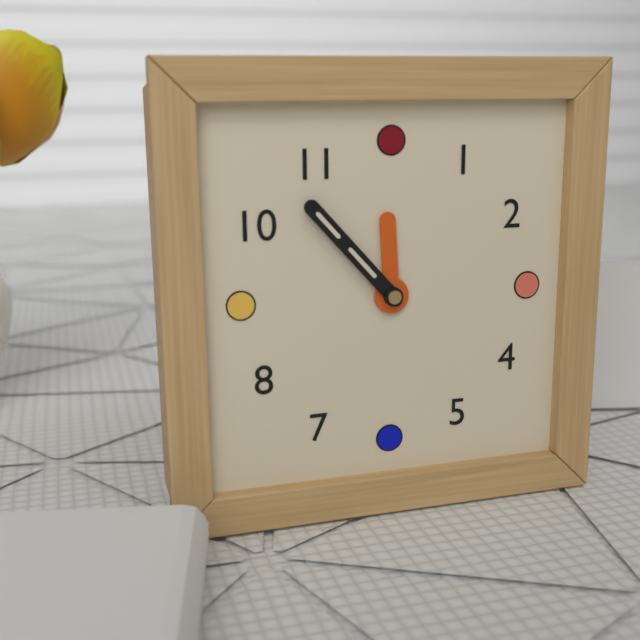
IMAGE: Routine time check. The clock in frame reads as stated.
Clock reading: 11:53
